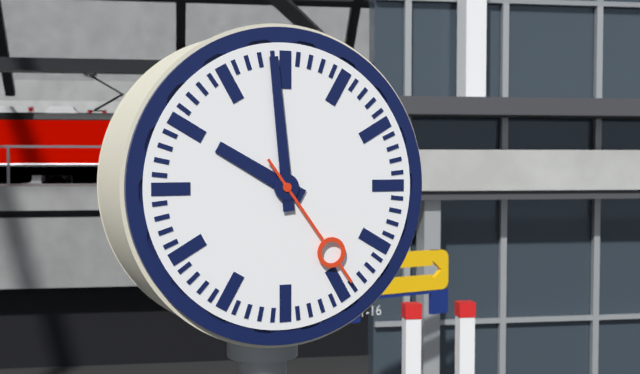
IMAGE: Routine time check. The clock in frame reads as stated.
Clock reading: 9:59:24
